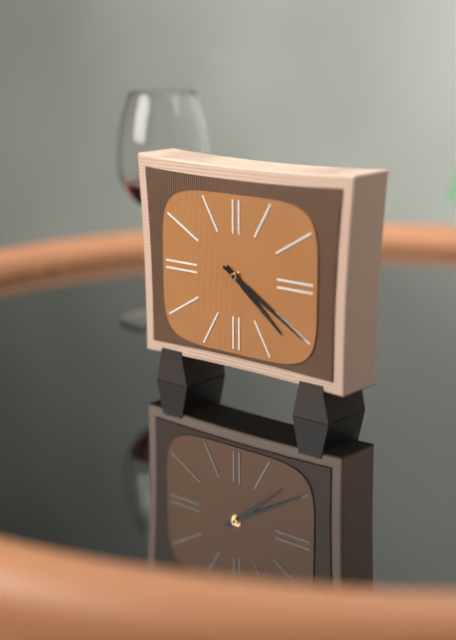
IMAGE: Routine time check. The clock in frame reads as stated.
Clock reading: 4:20
